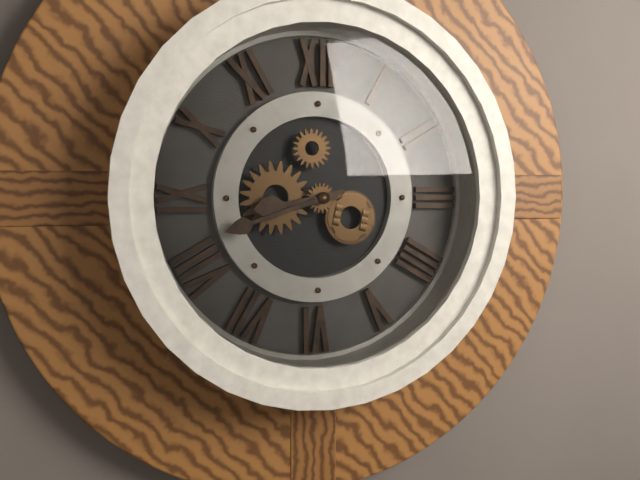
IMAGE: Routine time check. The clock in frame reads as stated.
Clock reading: 8:42
